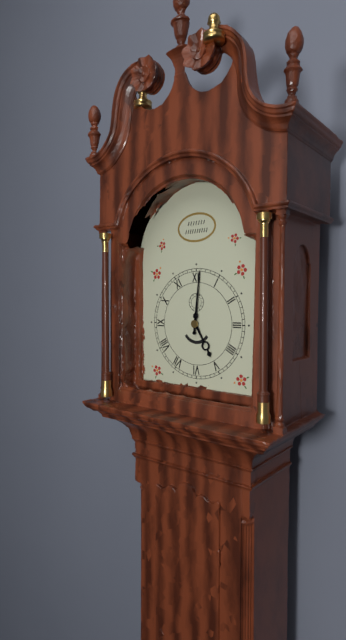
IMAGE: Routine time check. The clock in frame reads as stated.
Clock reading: 5:01
